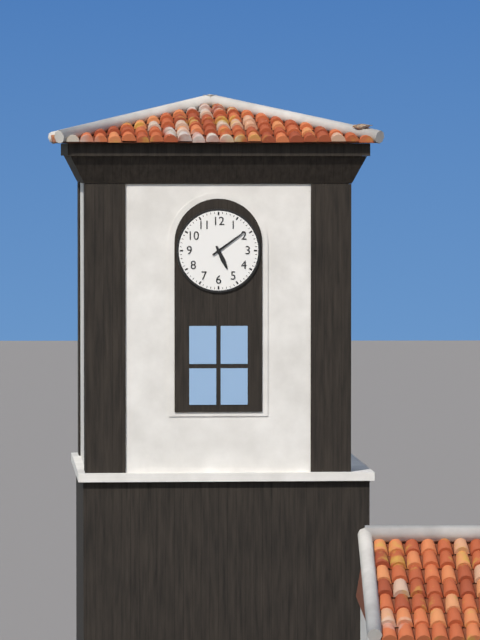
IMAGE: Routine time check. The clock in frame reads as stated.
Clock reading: 5:09
